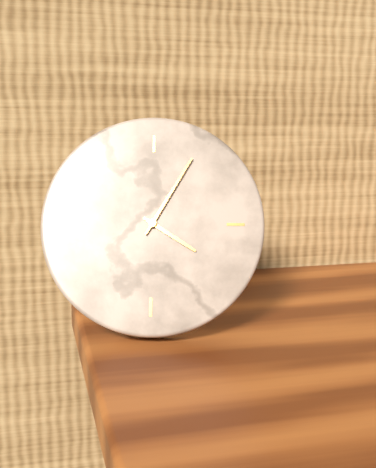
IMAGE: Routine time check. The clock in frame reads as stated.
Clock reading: 4:05
